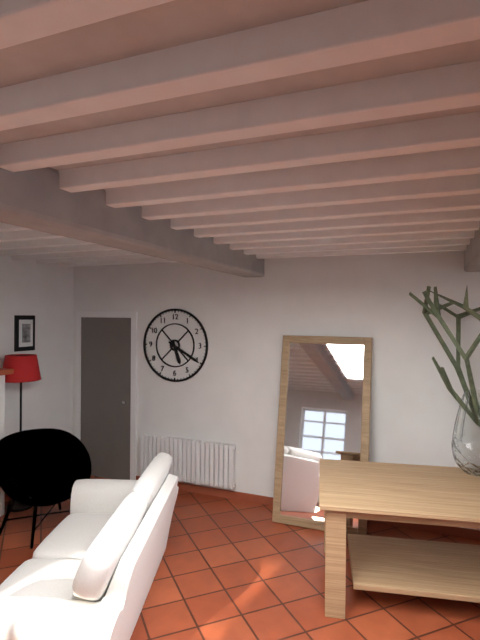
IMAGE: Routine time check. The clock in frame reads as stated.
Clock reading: 5:20
